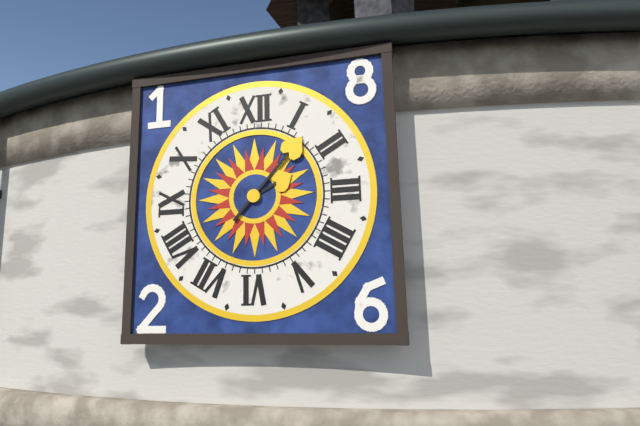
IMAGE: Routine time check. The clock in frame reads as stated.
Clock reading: 2:07
